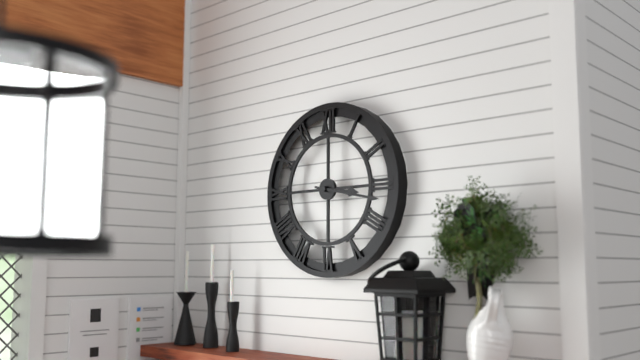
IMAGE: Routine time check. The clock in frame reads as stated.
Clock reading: 3:17
